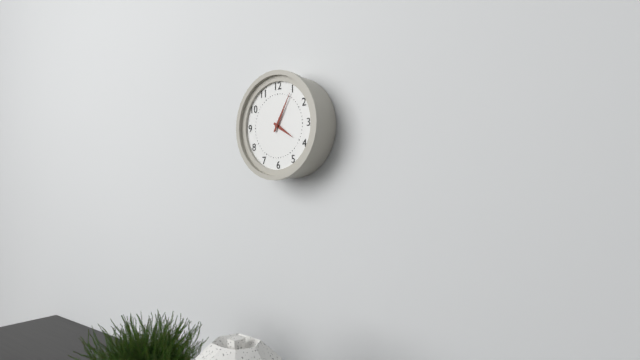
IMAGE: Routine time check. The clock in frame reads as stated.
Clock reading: 4:05
